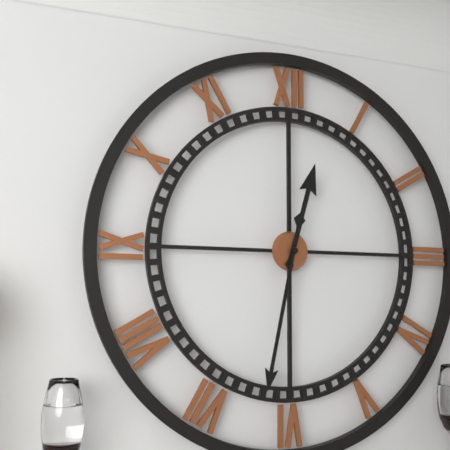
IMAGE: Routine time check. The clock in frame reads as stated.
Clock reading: 12:32
